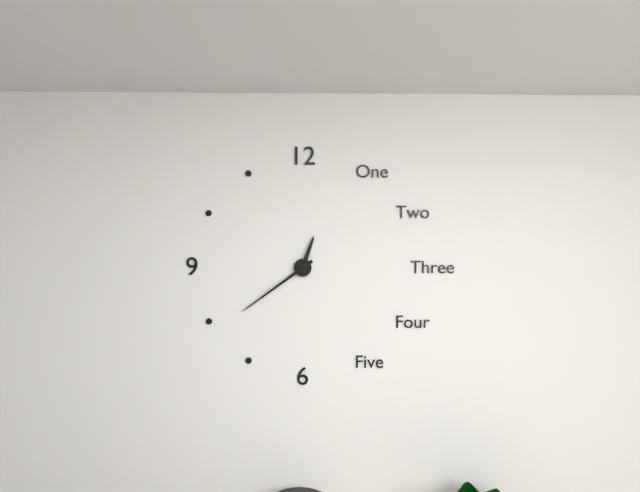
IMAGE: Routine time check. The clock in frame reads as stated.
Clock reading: 12:39
